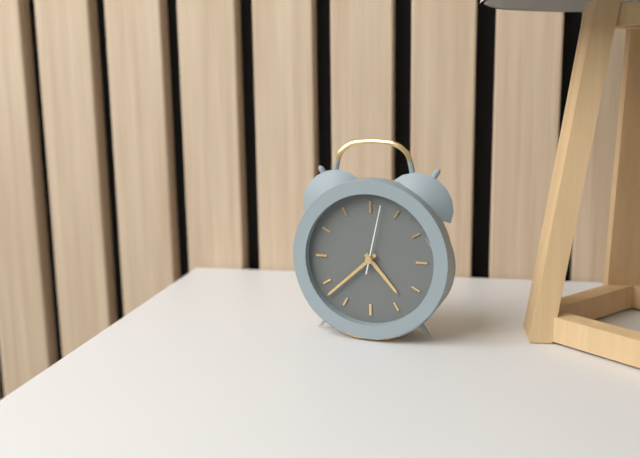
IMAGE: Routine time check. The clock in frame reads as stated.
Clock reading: 4:38:02
